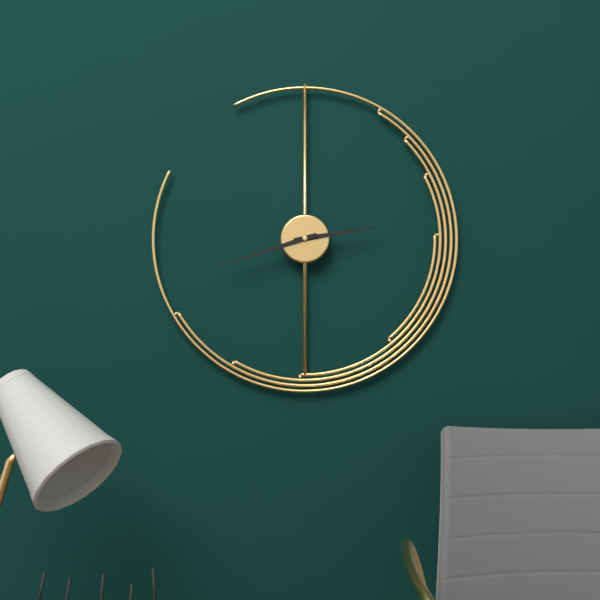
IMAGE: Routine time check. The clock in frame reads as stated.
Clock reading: 2:42
